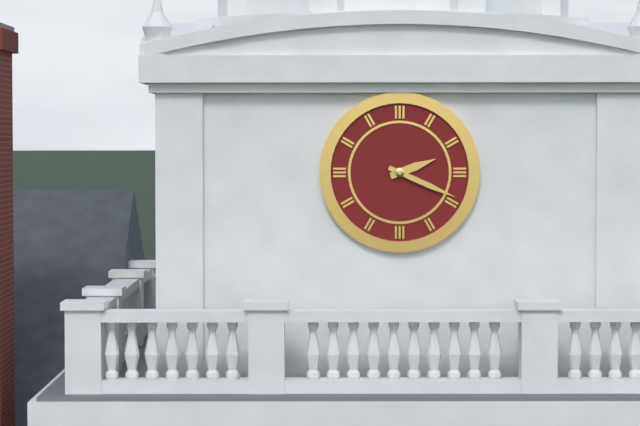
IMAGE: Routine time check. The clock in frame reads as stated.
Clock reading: 2:19
